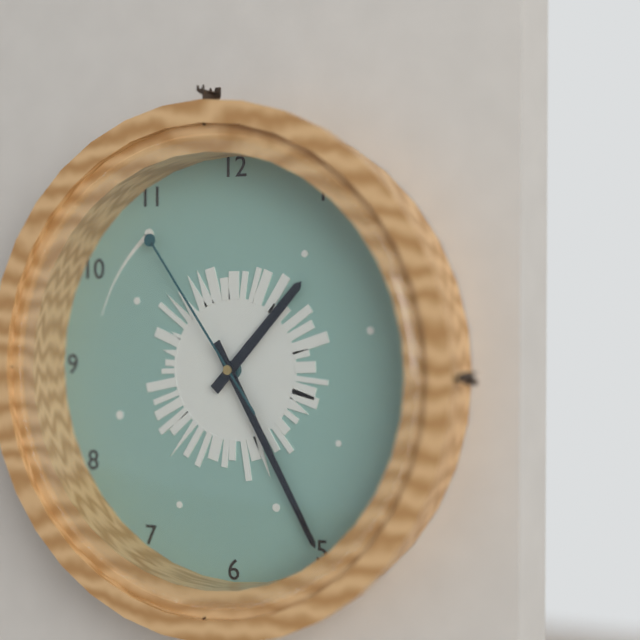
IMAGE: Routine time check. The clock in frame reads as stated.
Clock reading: 1:25:54
